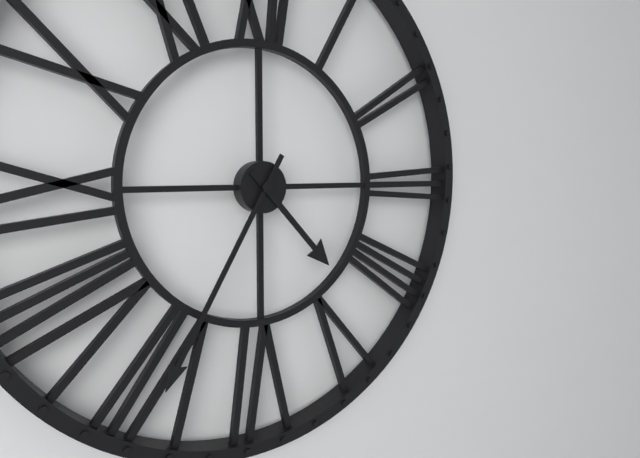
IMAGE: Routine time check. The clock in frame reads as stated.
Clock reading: 4:35
